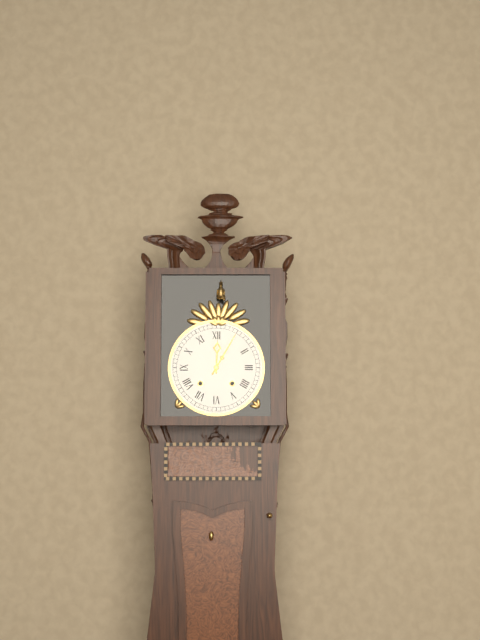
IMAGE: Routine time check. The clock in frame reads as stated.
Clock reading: 12:05
